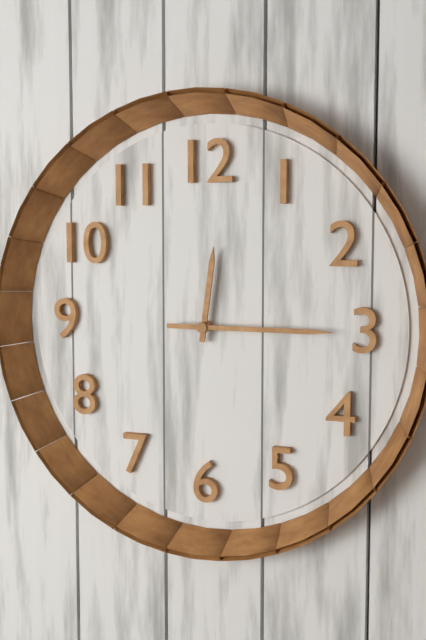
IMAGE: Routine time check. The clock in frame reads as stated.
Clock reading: 12:15
